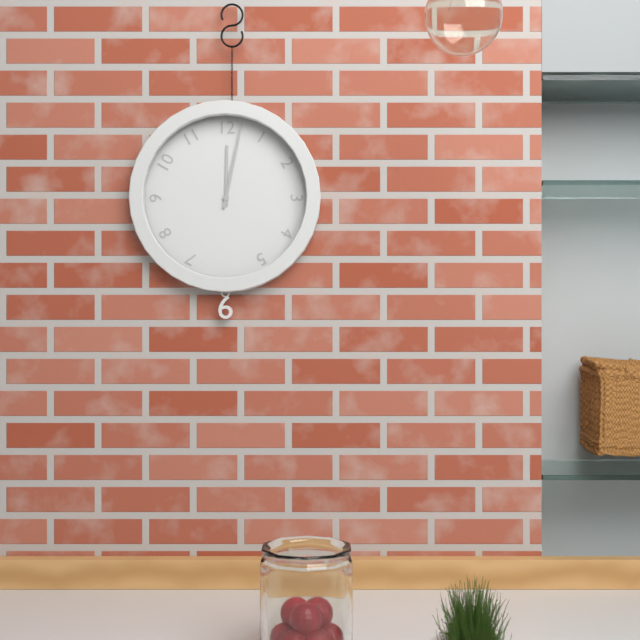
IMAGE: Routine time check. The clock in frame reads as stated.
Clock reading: 12:02
